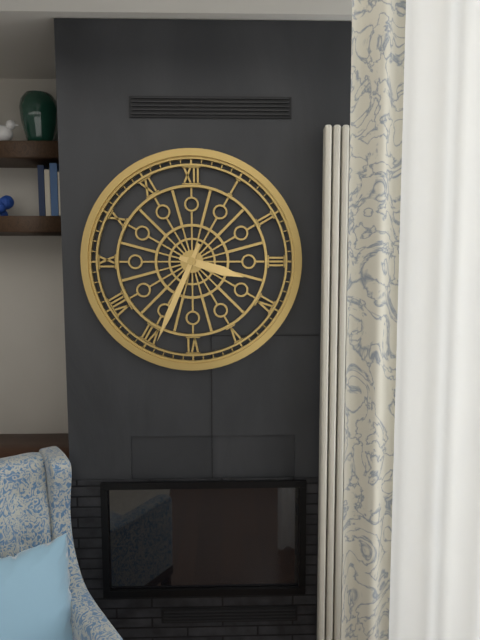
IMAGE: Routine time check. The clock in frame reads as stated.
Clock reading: 3:34
